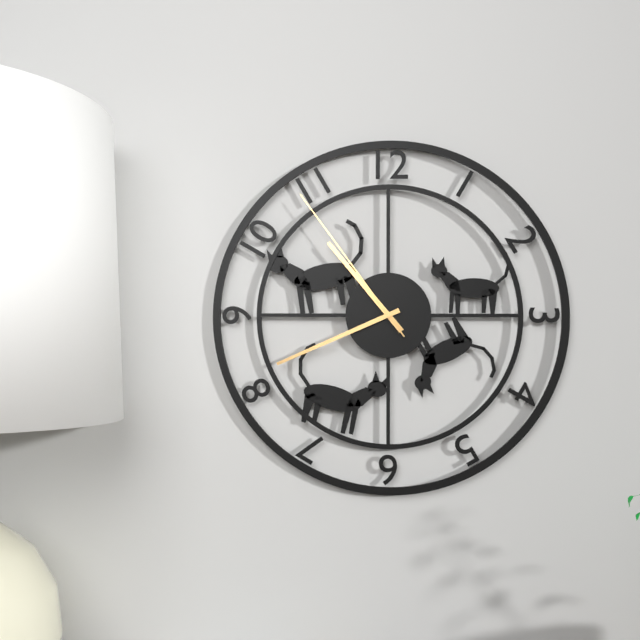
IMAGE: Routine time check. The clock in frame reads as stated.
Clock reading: 10:41:54
